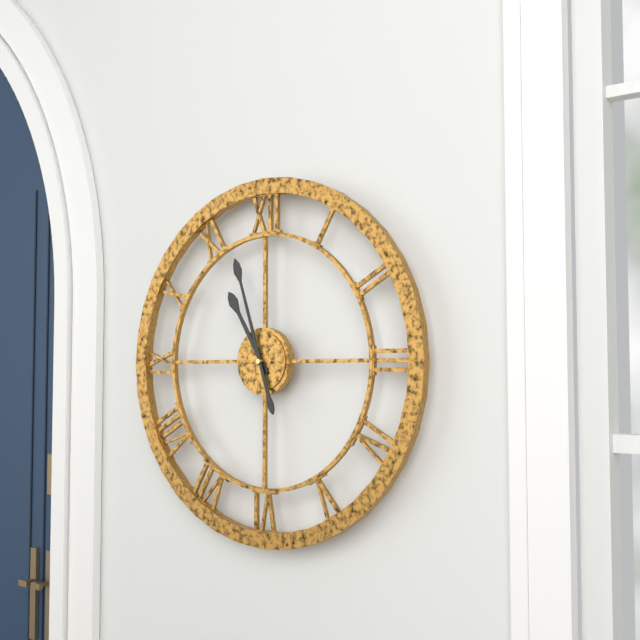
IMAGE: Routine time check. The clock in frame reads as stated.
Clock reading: 10:57
